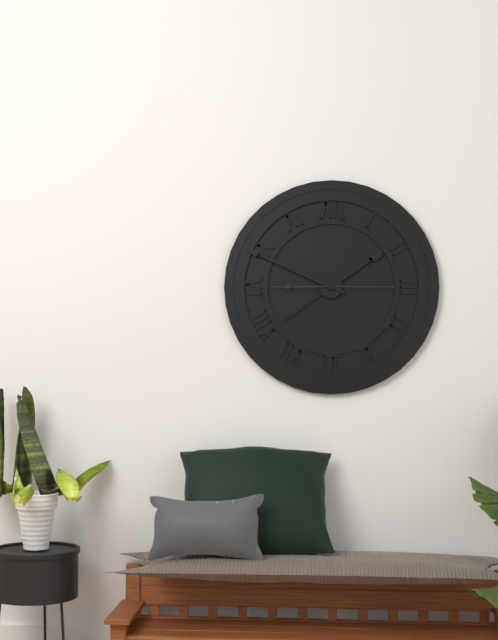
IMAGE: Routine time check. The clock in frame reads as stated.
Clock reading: 1:49:15
